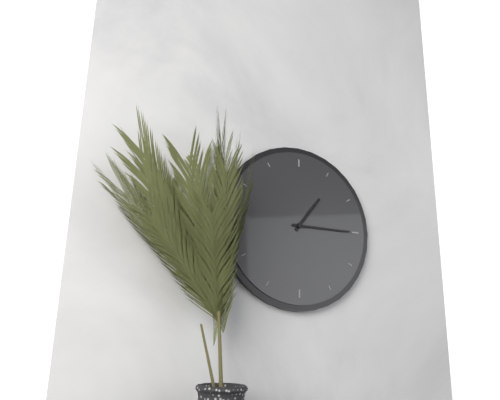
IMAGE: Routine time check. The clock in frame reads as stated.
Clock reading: 1:15
